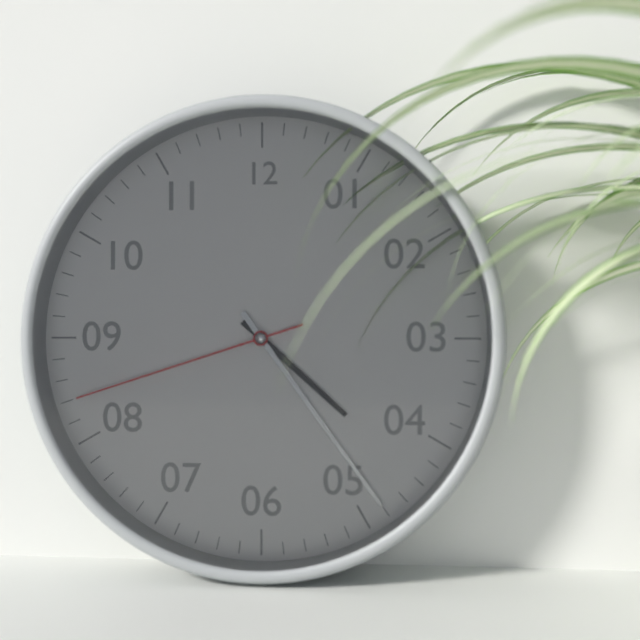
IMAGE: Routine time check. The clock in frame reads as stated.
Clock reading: 4:24:42
